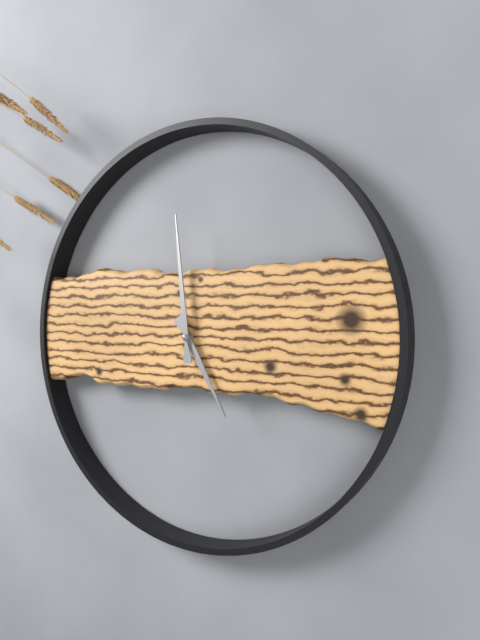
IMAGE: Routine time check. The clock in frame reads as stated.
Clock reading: 4:59
